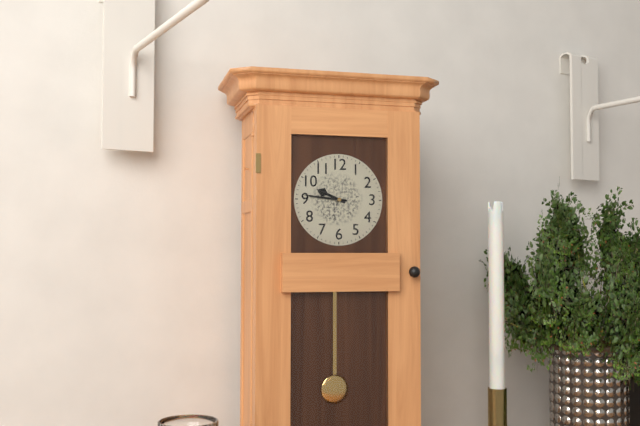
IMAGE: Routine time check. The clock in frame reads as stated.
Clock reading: 9:46
